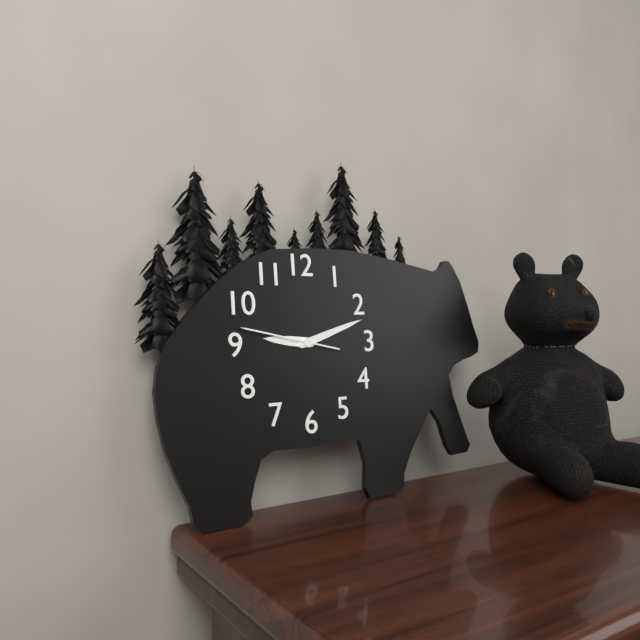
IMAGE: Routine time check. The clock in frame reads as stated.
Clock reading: 9:12:47
